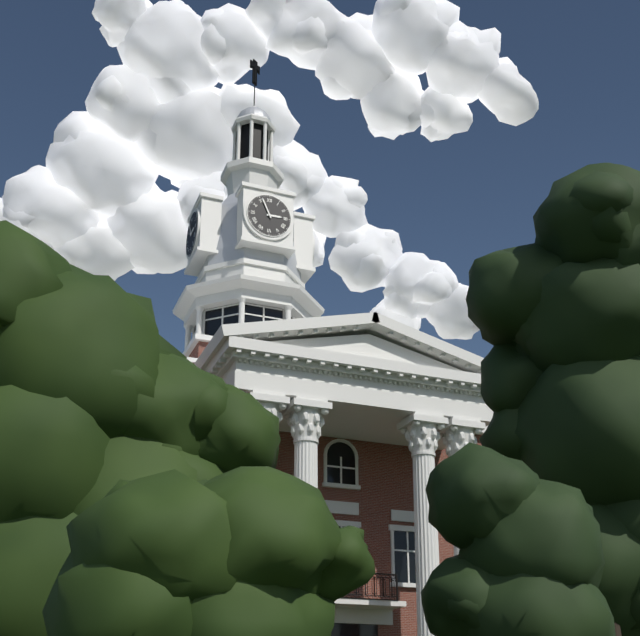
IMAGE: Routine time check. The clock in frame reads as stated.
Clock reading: 2:56
